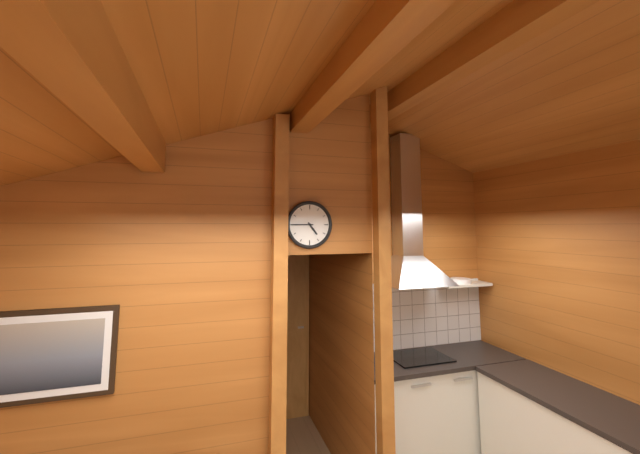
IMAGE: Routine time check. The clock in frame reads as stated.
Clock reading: 4:45
